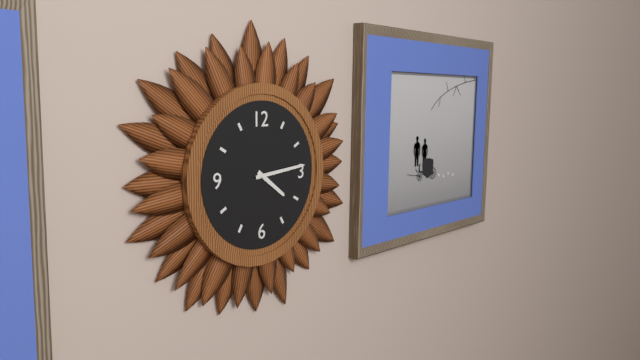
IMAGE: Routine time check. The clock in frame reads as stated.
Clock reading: 4:14
